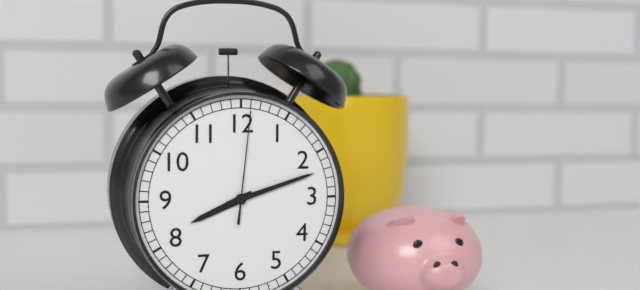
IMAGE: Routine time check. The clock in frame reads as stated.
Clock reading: 8:12:01
